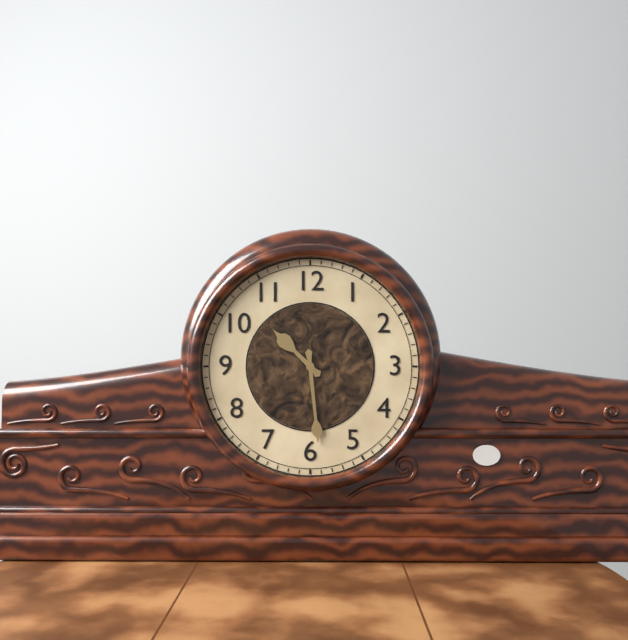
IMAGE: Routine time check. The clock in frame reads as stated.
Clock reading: 10:29
